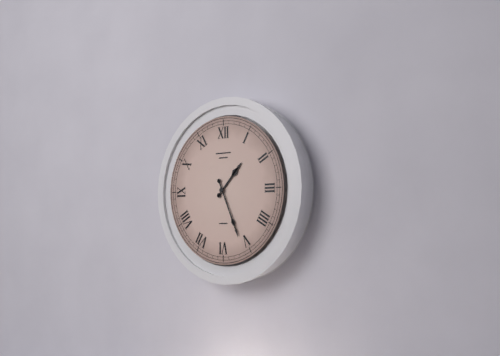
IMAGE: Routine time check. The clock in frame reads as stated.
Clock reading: 1:26
